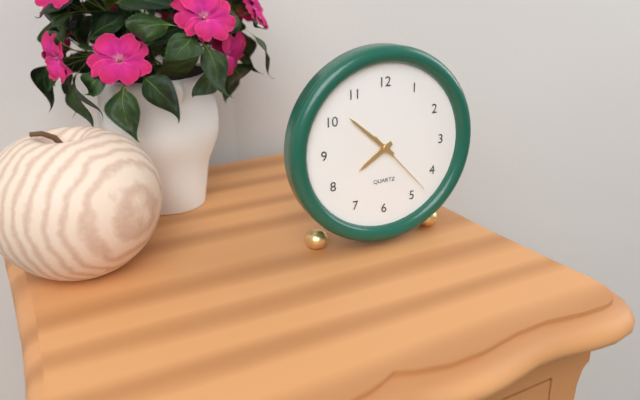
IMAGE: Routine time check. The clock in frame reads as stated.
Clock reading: 7:52:23
